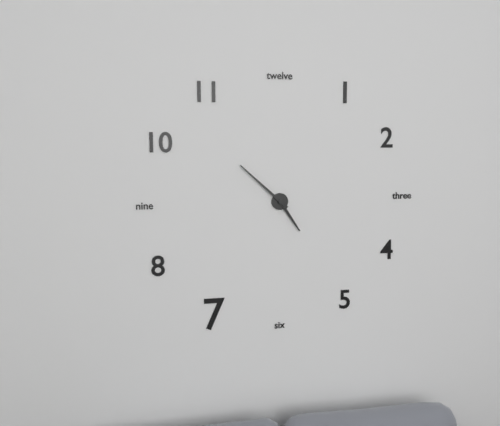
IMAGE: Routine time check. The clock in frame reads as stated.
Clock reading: 4:52
